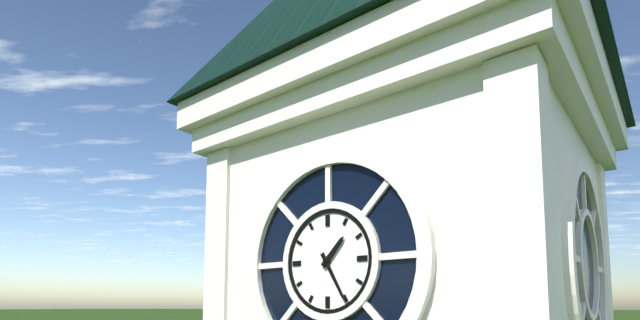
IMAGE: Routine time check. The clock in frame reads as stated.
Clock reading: 1:25
